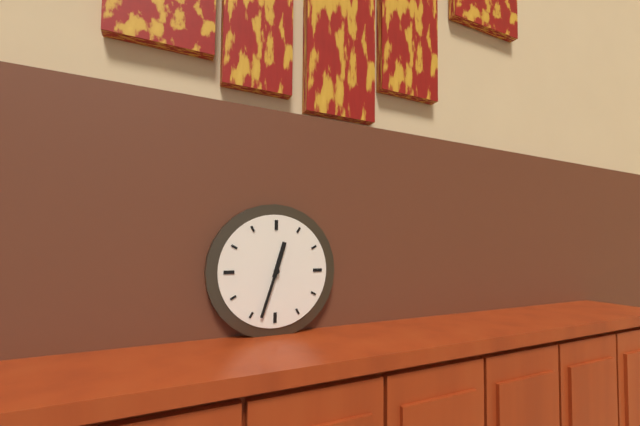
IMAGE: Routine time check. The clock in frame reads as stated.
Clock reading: 12:33
